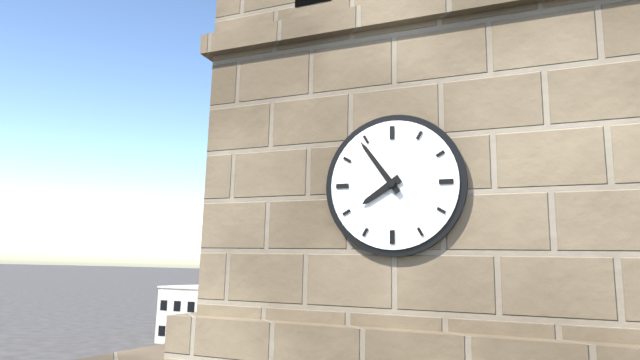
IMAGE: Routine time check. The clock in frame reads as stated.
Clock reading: 7:54
